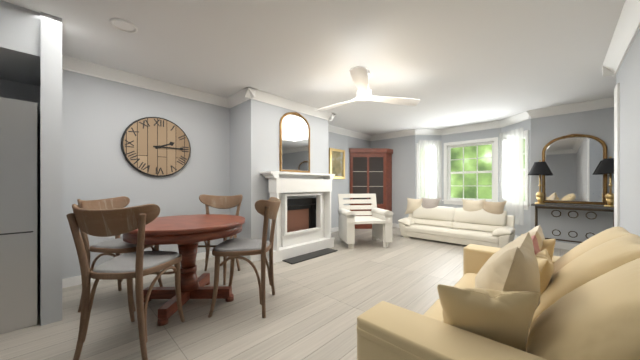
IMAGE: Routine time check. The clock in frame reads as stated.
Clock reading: 2:15
